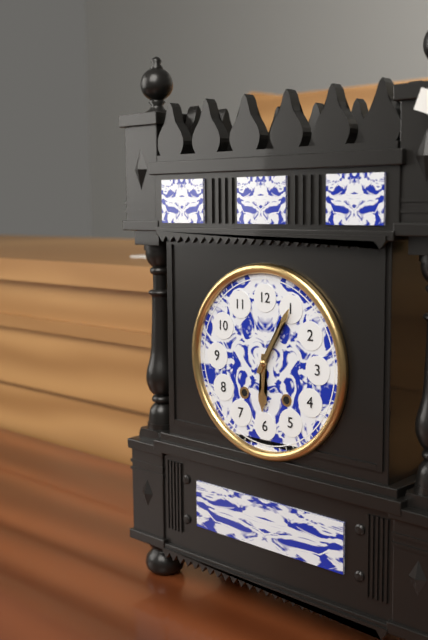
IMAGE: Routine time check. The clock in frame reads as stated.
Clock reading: 6:05
